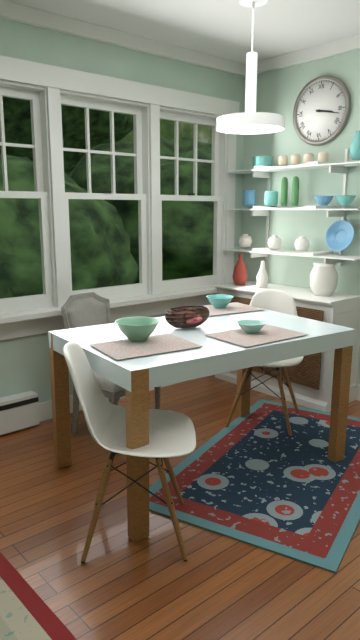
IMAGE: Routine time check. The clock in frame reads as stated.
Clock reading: 3:17
